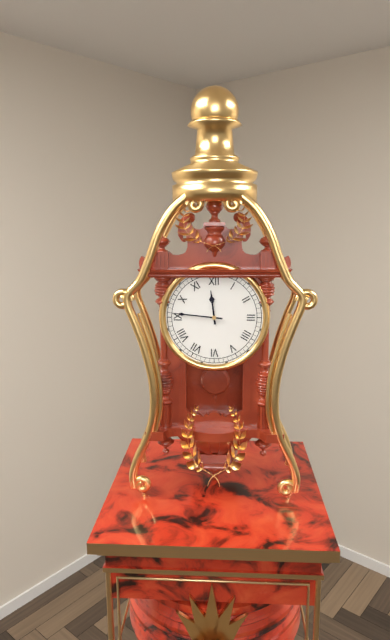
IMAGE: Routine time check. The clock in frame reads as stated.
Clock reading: 11:46
